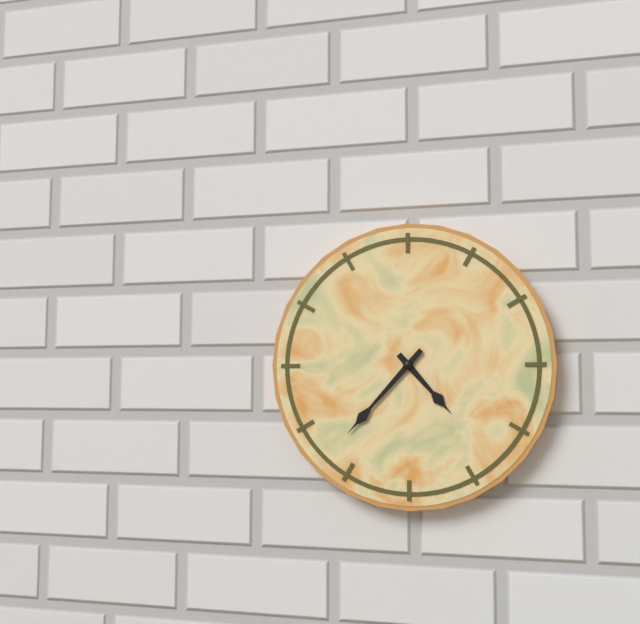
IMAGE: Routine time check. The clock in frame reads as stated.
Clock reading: 4:37
